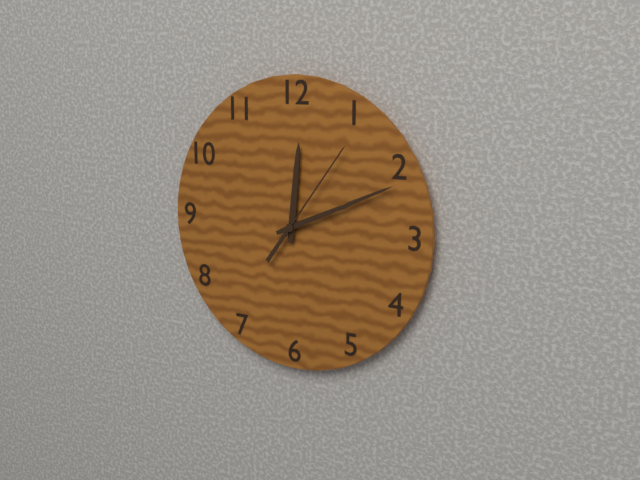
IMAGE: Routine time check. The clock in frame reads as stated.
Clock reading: 12:11:06
